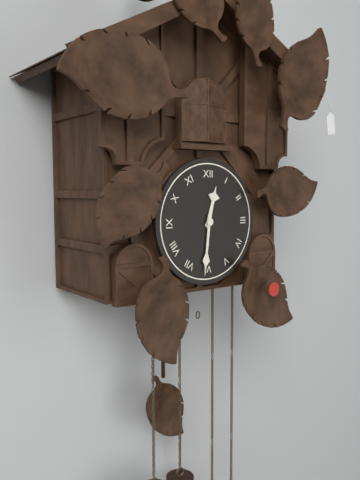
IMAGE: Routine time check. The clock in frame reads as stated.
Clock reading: 12:31
